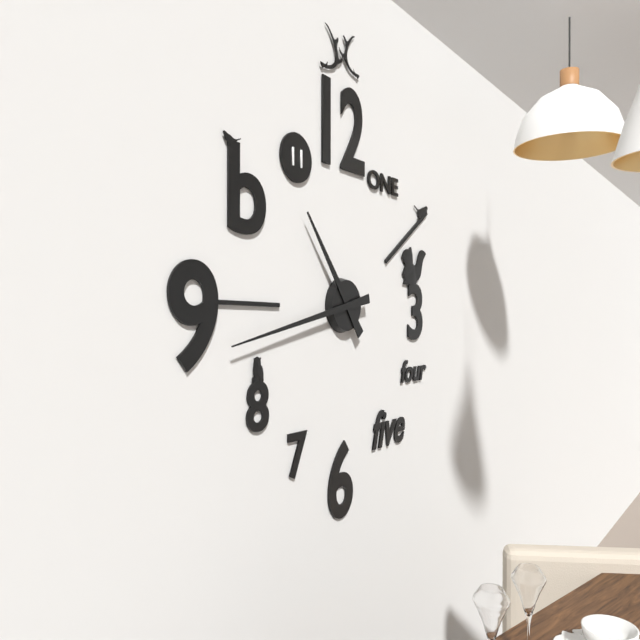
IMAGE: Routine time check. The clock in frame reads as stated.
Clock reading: 10:43
